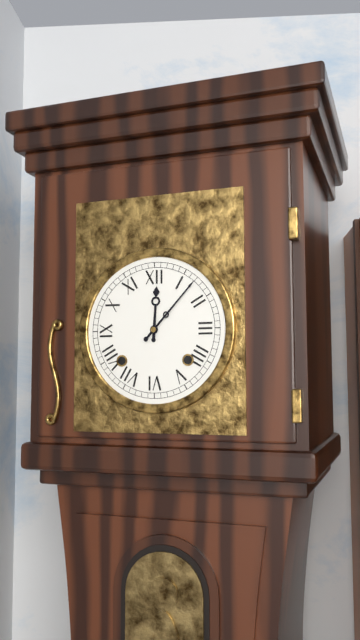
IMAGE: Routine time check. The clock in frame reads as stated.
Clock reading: 12:07
